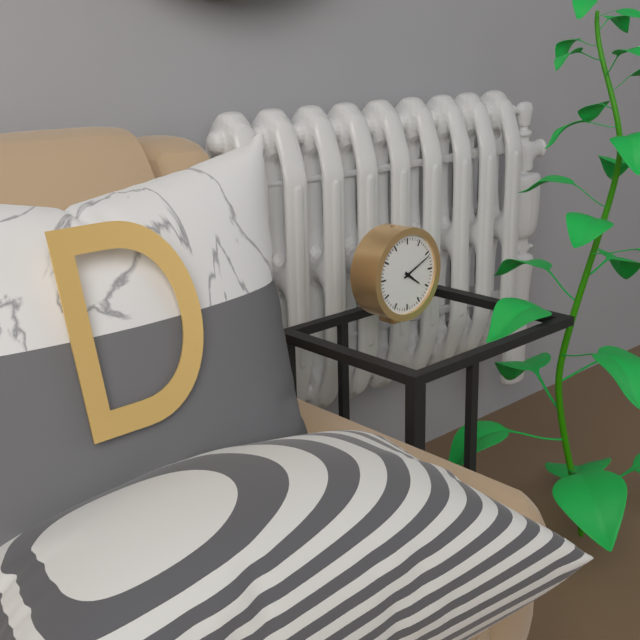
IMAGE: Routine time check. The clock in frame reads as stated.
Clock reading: 4:11
